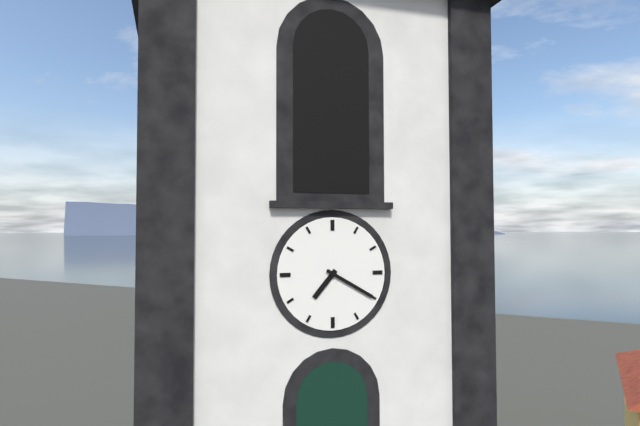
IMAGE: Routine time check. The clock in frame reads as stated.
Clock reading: 7:20
